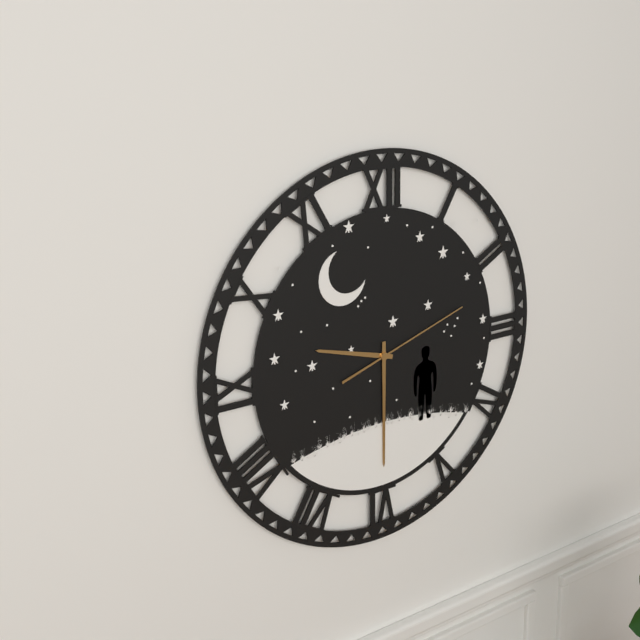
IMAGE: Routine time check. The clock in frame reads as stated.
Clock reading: 9:30:12
